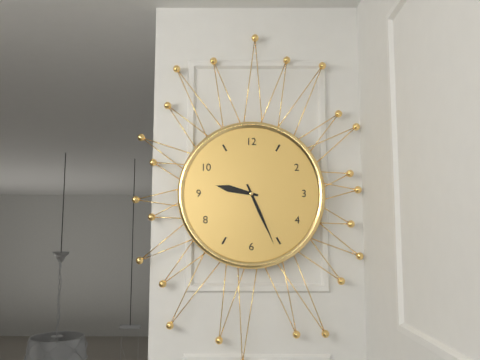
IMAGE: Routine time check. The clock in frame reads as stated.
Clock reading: 9:26
